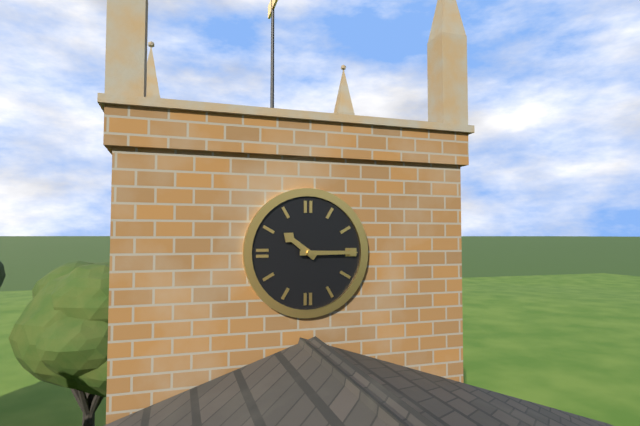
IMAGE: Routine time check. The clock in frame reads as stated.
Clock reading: 10:15
